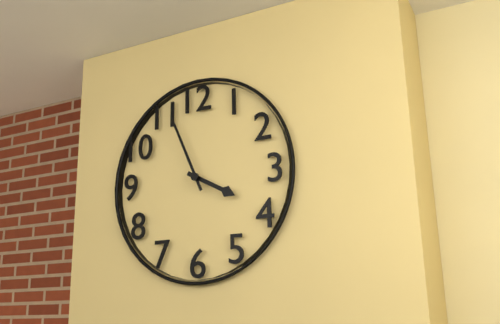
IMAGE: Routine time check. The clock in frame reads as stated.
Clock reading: 3:56
